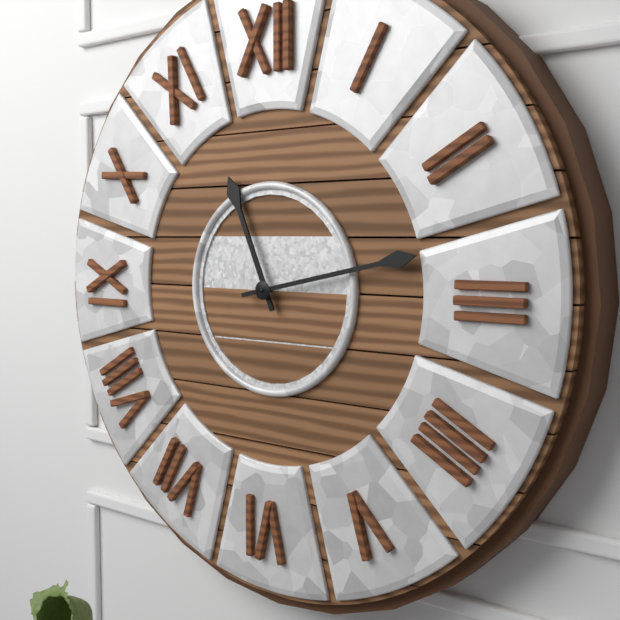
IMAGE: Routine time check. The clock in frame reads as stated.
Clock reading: 11:13
